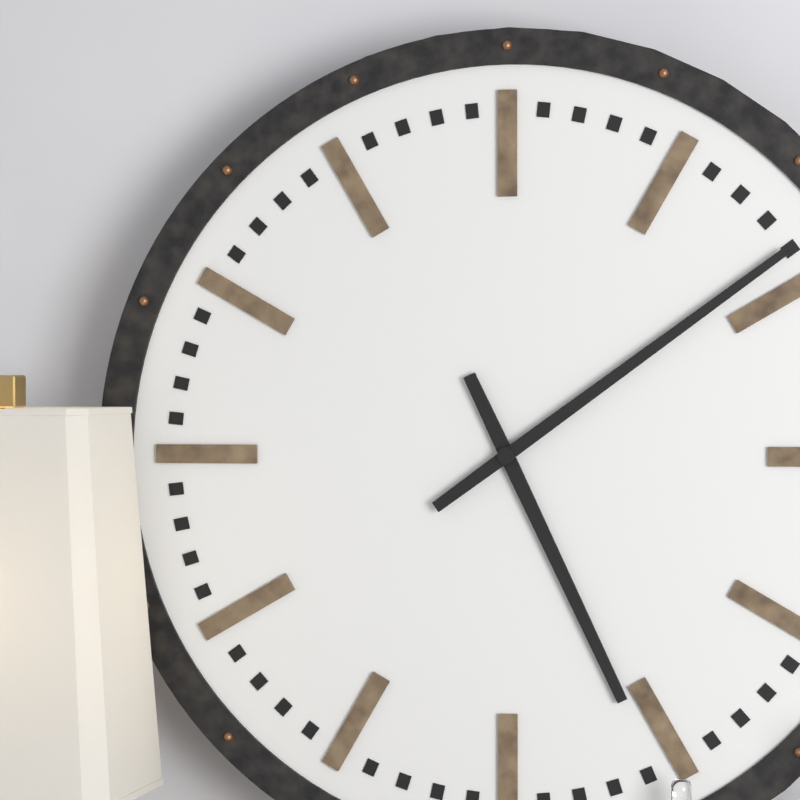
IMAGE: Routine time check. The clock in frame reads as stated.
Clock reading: 5:09
